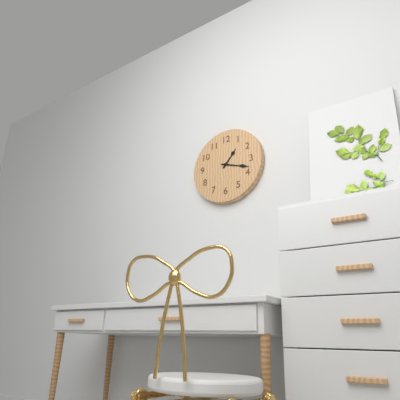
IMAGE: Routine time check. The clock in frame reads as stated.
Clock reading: 1:18
